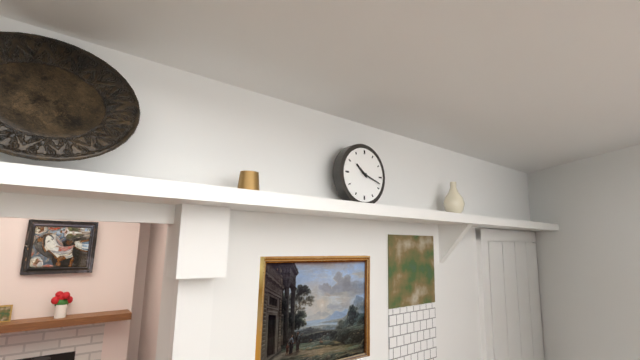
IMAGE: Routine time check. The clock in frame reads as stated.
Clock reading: 10:18
